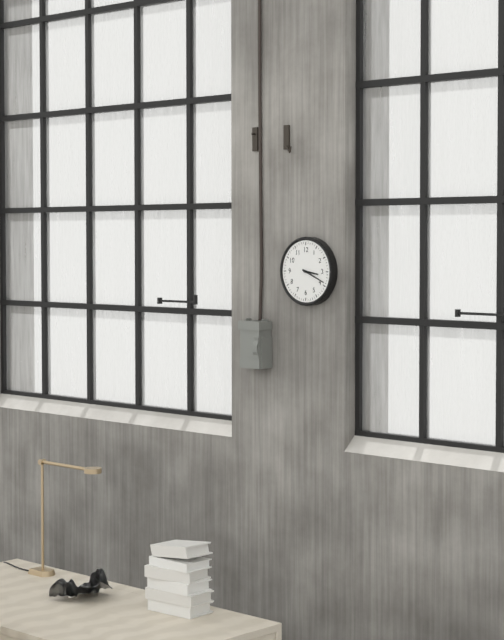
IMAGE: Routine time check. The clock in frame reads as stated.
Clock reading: 3:19
